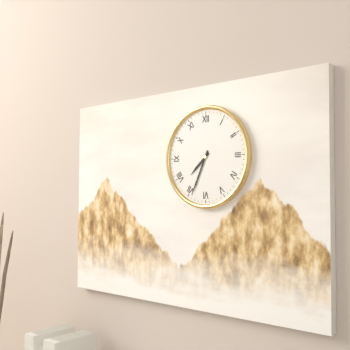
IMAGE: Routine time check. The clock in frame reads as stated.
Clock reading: 7:34
